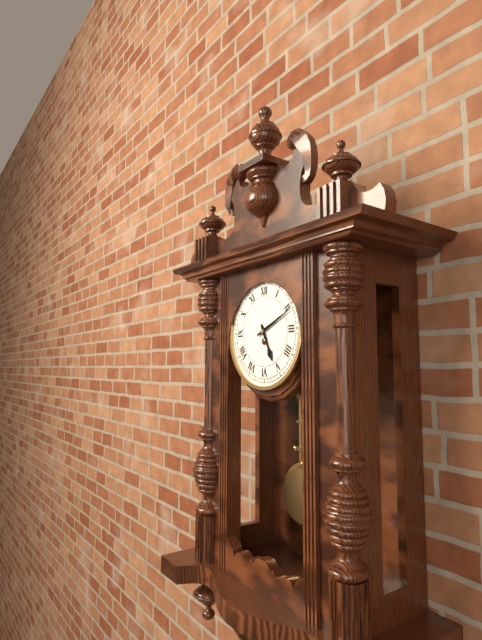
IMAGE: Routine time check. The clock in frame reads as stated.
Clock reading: 5:11
